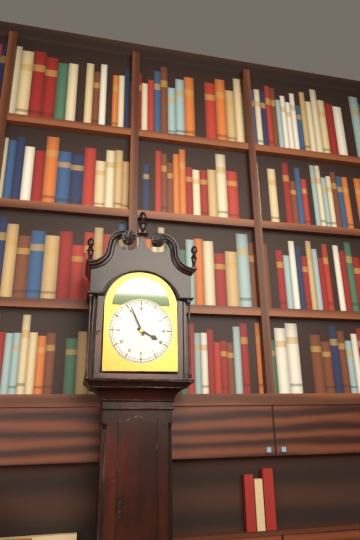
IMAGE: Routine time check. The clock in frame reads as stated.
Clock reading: 3:56
